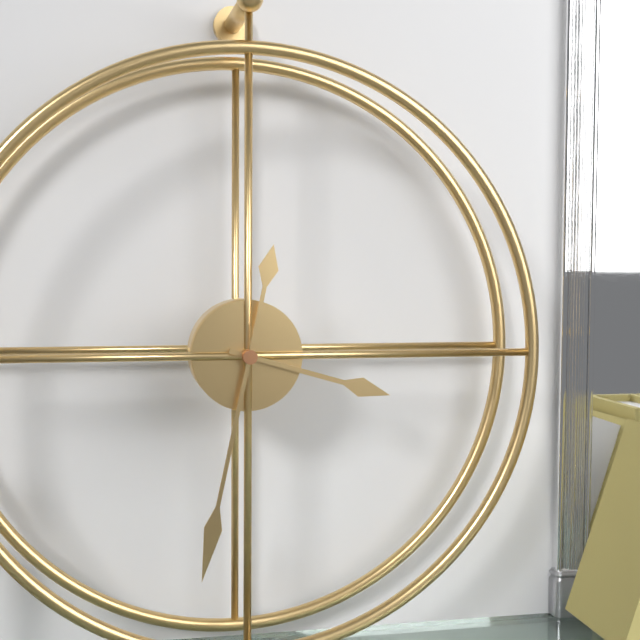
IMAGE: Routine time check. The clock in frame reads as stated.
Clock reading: 3:32
